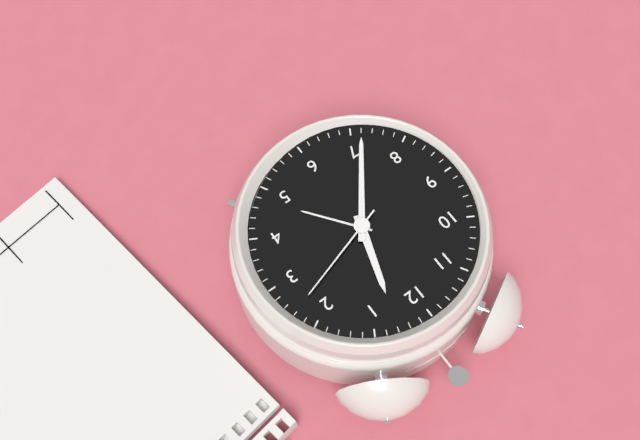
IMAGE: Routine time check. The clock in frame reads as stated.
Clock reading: 12:36:12
